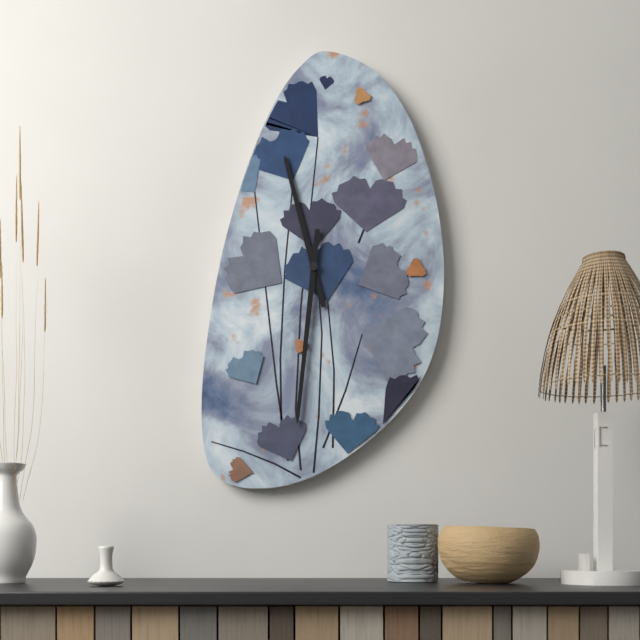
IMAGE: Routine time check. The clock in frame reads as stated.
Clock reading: 11:31
